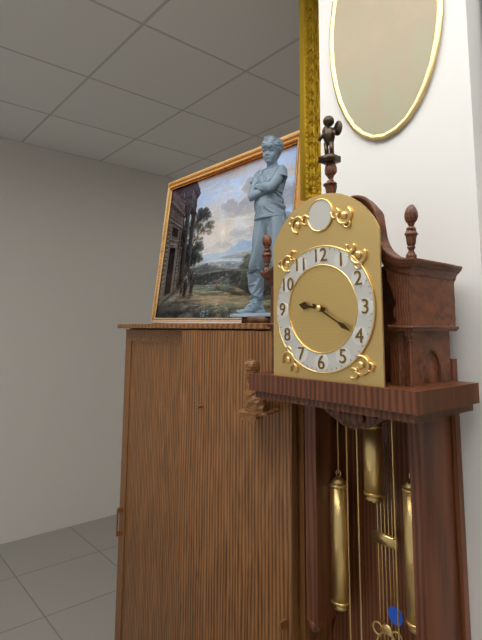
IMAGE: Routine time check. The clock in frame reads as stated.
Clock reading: 9:20
